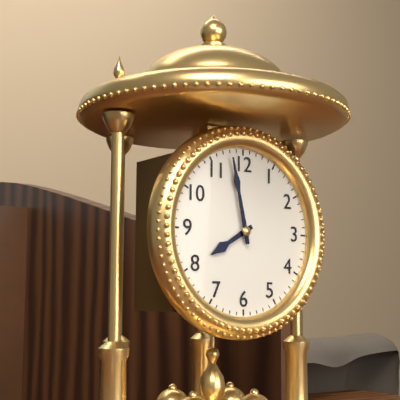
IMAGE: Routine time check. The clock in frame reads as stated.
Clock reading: 7:58
